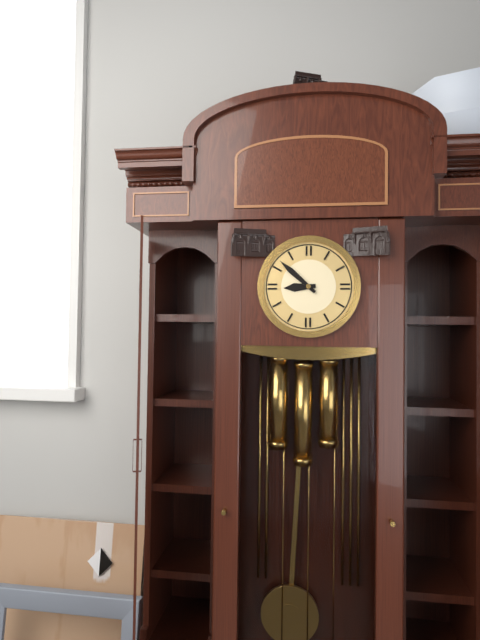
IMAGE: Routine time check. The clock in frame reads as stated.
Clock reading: 8:52
